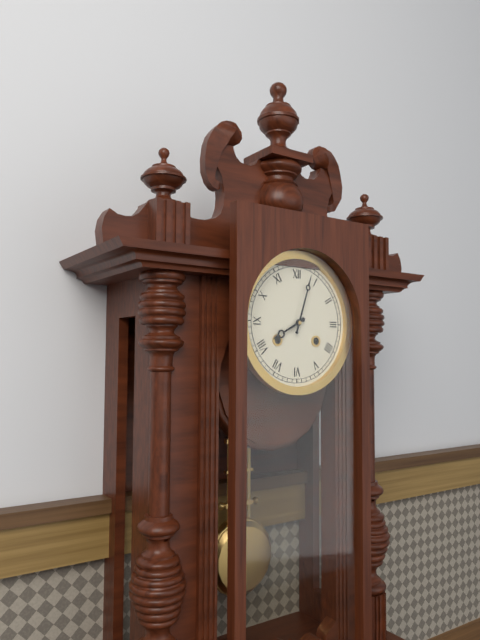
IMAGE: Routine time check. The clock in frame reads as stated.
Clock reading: 8:03
